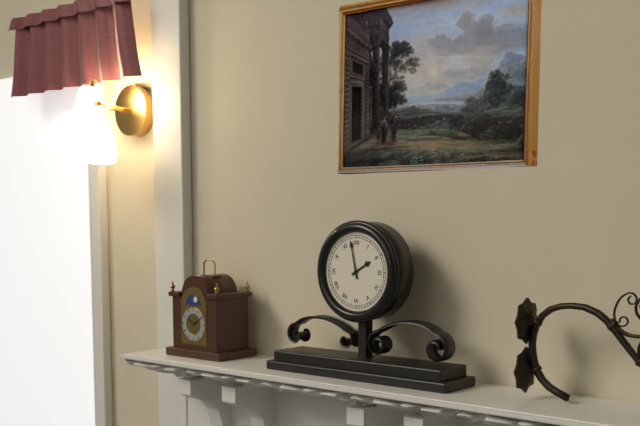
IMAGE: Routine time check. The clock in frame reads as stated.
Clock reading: 1:58
